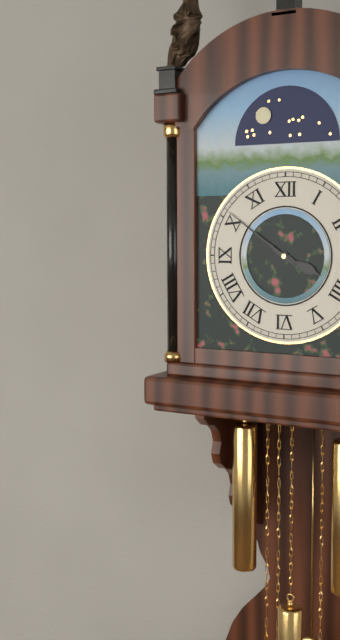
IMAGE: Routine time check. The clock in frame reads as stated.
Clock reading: 3:51
